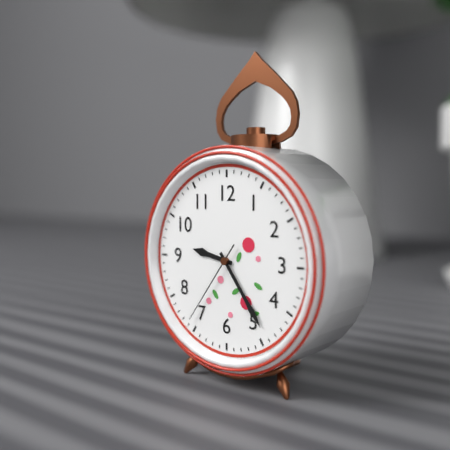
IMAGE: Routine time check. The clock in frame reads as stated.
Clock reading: 9:24:36
